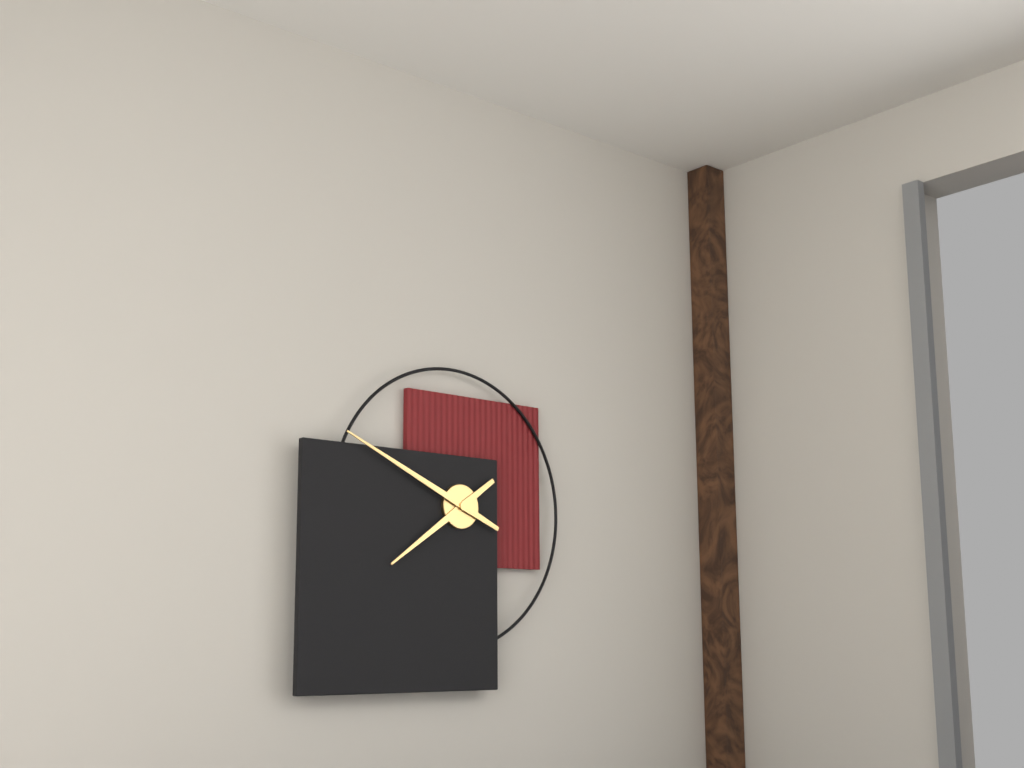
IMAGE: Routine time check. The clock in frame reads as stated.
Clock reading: 7:49
